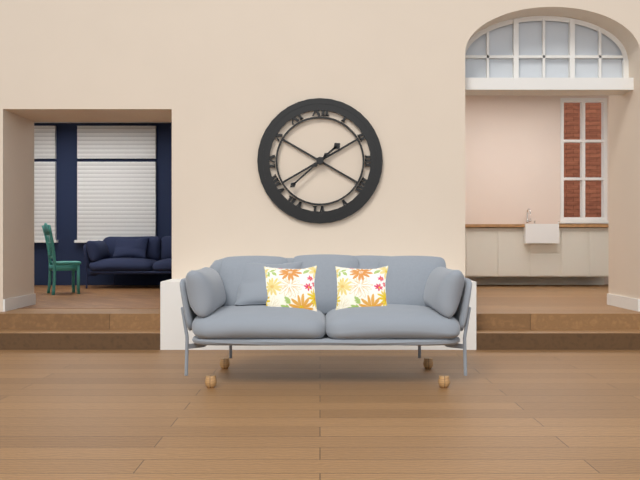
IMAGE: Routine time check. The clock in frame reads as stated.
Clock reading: 1:38
